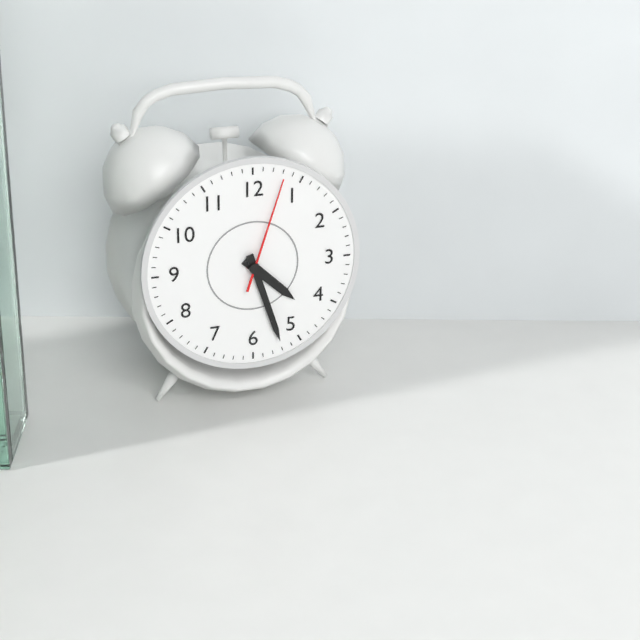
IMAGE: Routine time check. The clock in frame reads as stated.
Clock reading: 4:27:03
